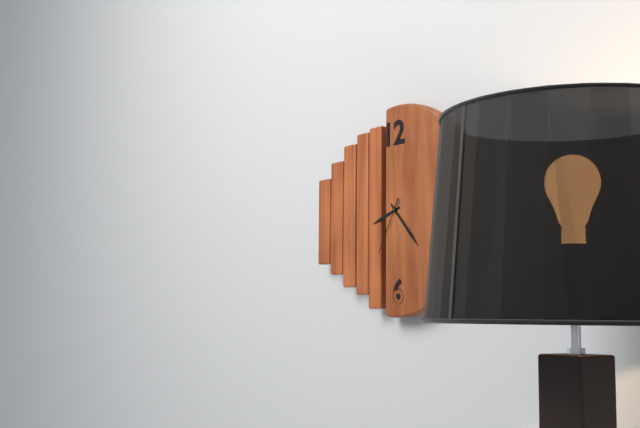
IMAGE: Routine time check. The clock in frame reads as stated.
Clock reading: 8:23:35
